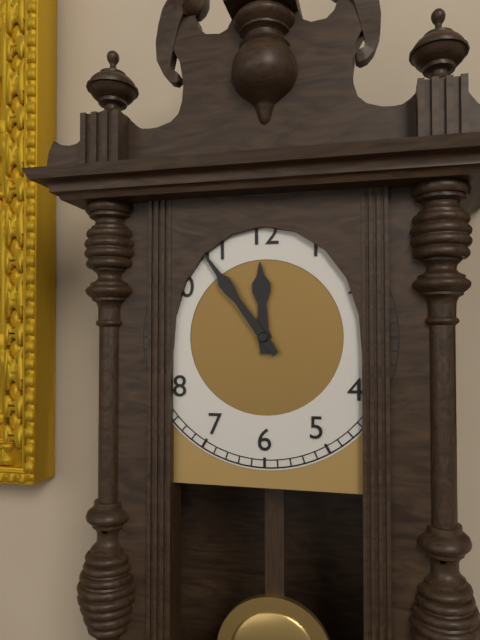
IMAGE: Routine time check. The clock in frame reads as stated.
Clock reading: 11:54
